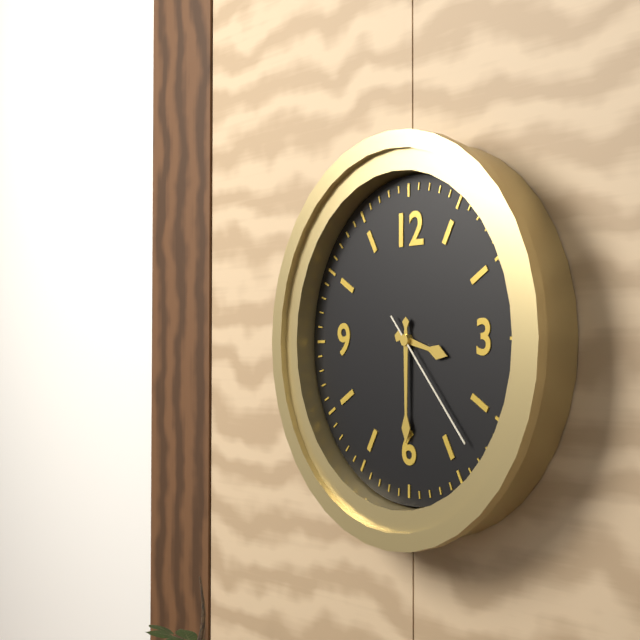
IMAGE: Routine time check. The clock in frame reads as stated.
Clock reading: 3:30:23
